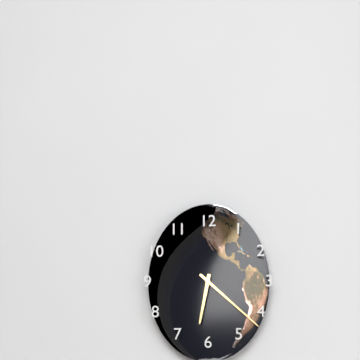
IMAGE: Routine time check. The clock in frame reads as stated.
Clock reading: 6:22
